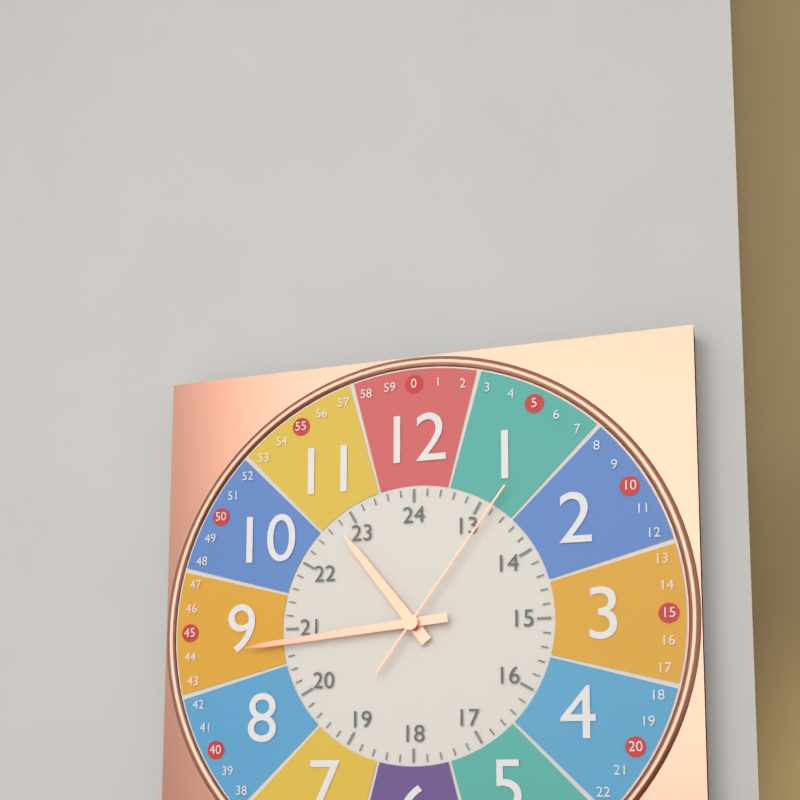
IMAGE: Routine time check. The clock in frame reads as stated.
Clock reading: 10:44:06
